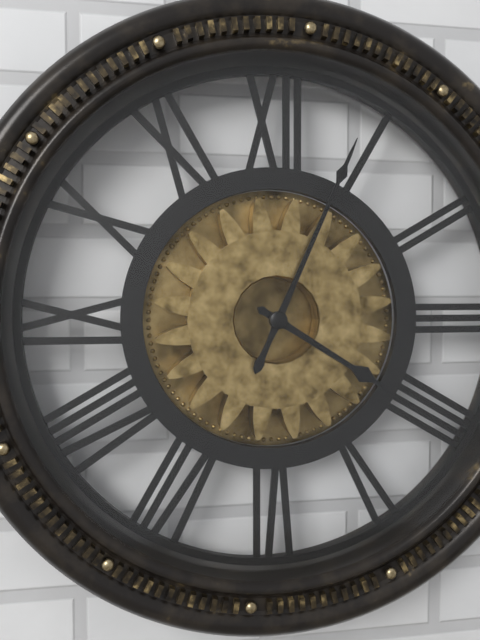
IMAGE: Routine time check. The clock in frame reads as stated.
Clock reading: 4:04
